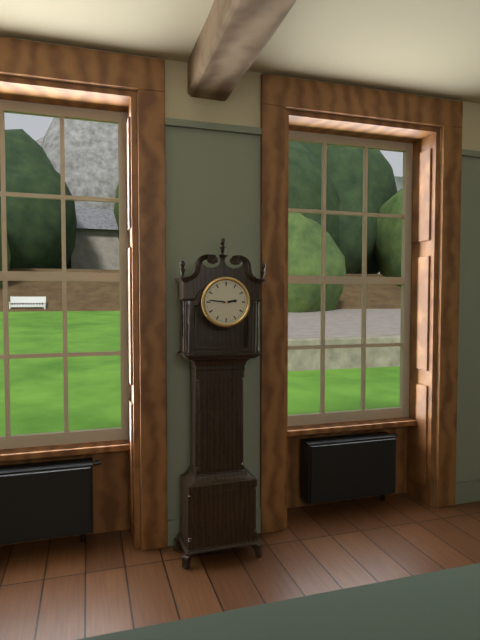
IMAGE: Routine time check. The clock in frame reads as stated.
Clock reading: 2:46
